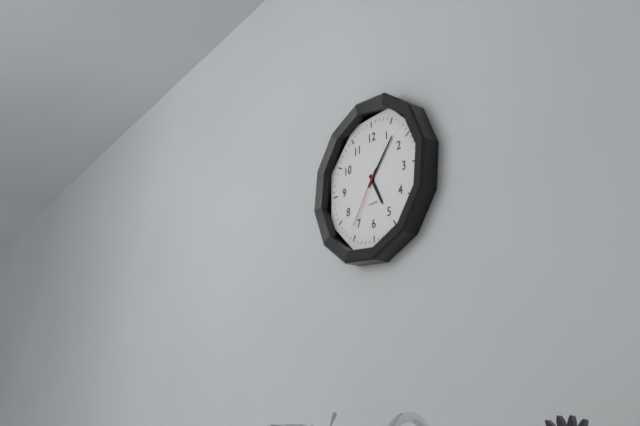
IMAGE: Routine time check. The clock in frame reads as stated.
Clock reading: 5:07:36
